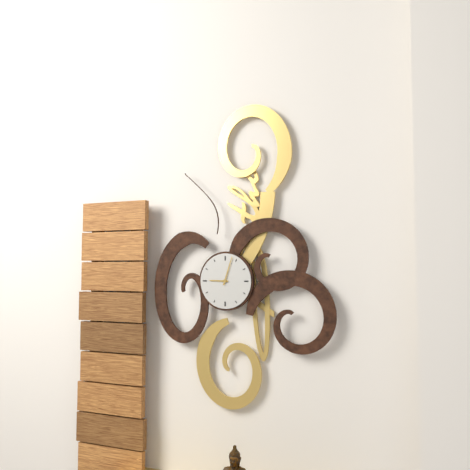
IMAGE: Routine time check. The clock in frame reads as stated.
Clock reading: 9:03
